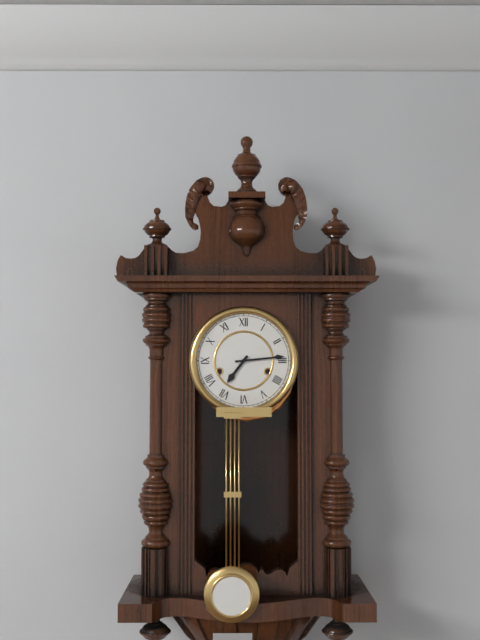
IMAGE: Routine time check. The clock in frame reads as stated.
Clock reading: 7:14
